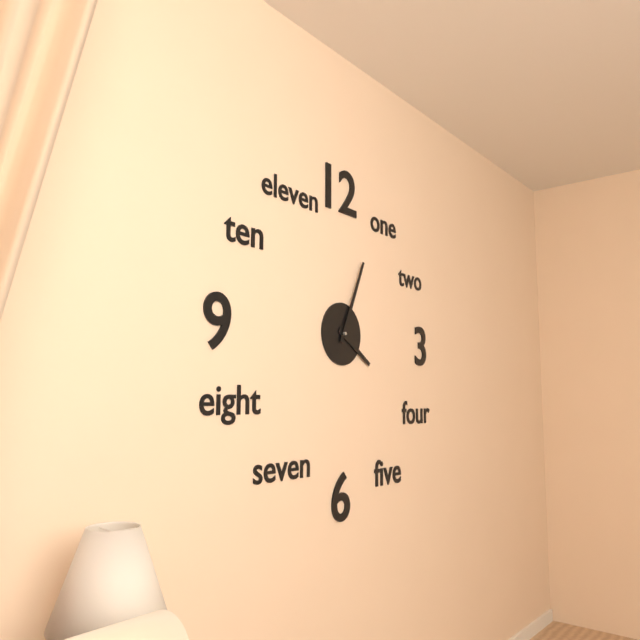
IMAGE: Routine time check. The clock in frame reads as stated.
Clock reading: 4:04
